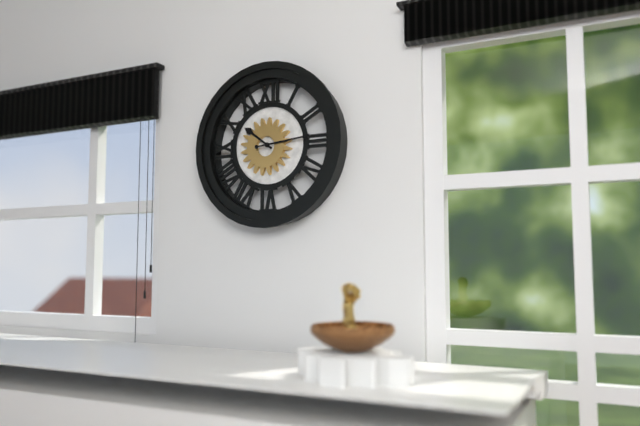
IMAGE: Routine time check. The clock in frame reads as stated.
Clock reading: 10:14
